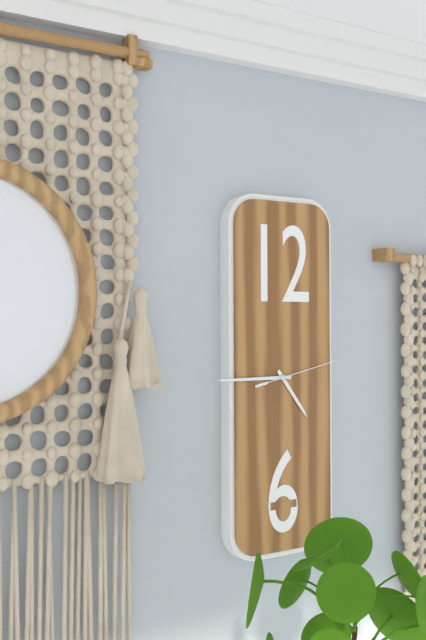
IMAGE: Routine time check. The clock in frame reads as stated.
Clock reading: 4:45:13
